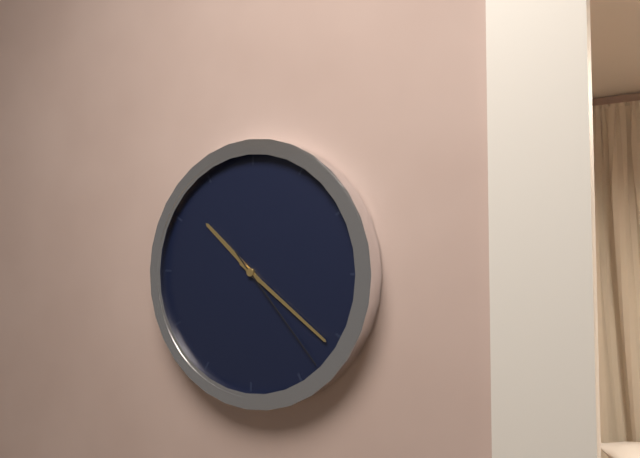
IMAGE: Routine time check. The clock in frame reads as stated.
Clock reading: 10:21:23
